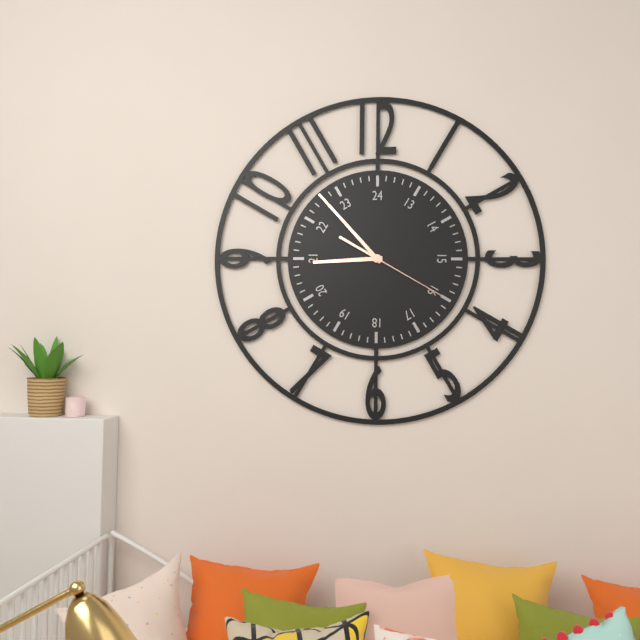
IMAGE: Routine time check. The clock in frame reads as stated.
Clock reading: 8:53:20
